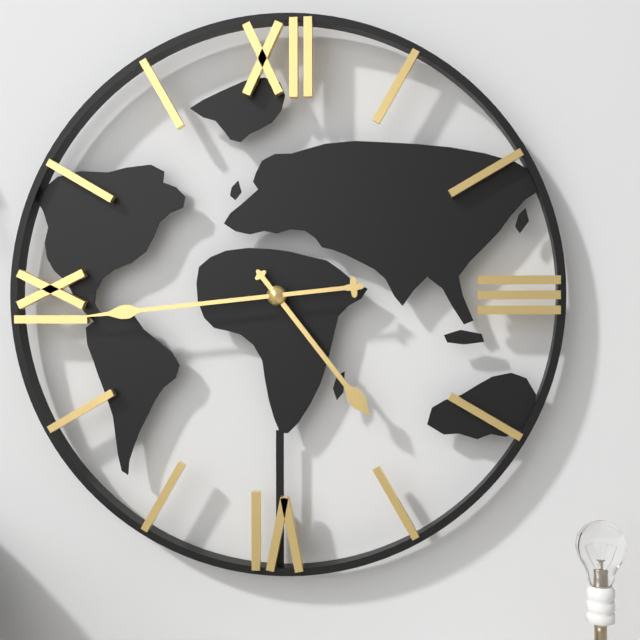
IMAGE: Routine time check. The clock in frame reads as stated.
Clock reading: 4:44
